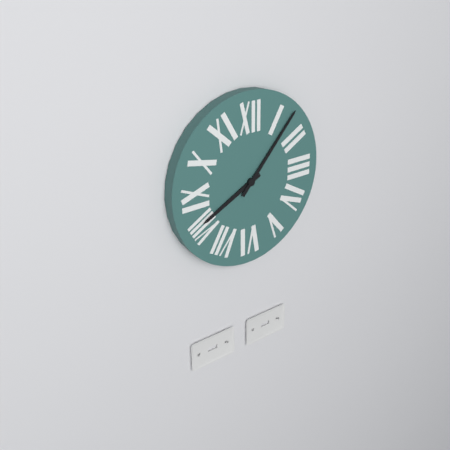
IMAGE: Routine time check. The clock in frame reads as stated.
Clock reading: 8:07
